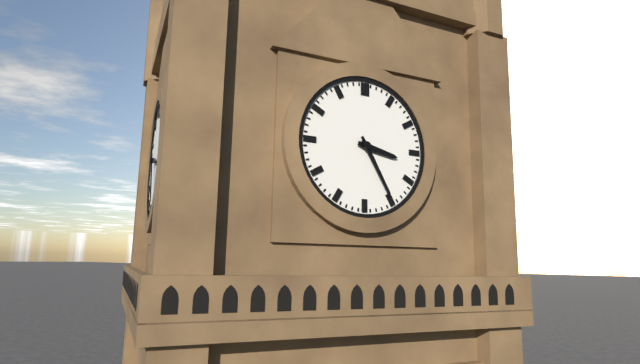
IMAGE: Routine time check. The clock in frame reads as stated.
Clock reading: 3:25
